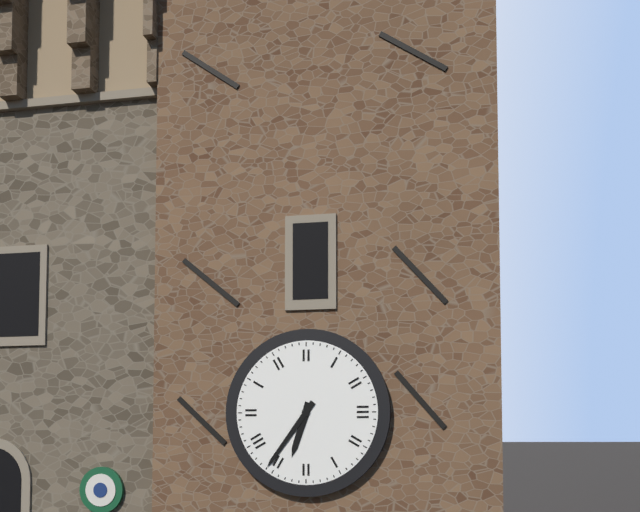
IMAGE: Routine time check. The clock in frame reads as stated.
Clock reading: 6:36
